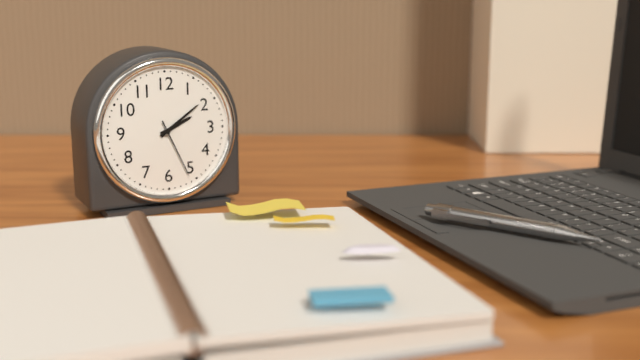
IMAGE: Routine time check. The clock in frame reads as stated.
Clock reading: 2:09:26
